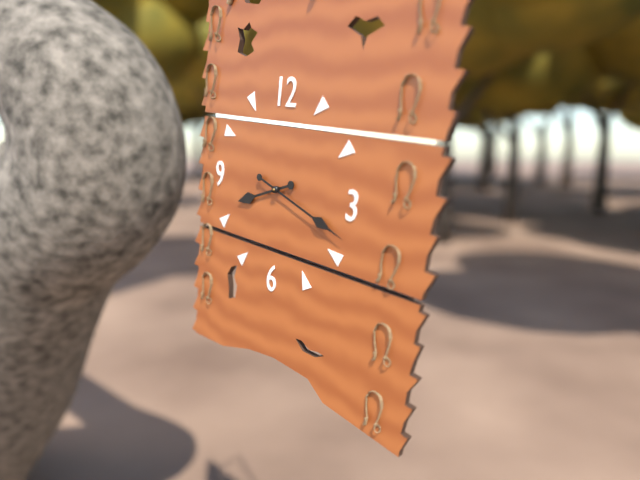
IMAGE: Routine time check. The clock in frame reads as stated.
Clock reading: 8:18
